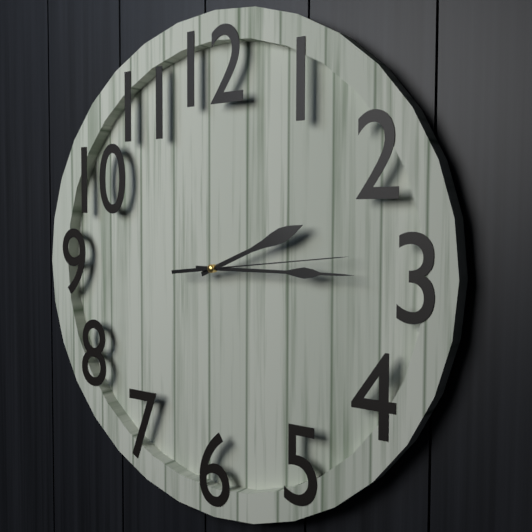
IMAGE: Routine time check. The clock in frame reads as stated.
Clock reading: 2:15:14
